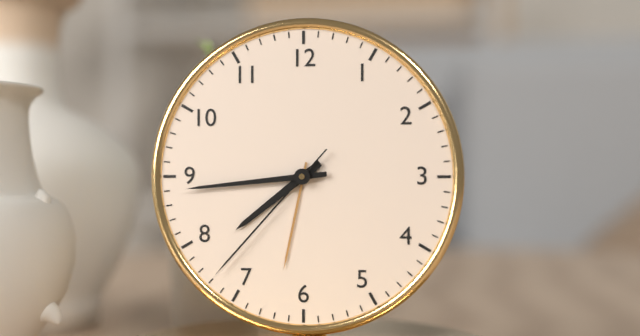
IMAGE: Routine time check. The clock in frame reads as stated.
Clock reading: 7:44:37
